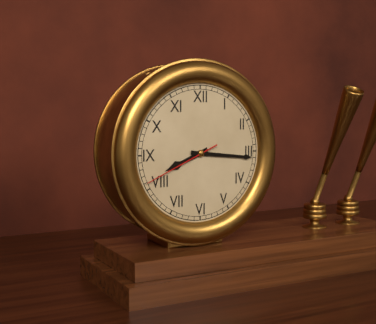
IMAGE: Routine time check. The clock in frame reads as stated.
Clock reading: 8:16:41
